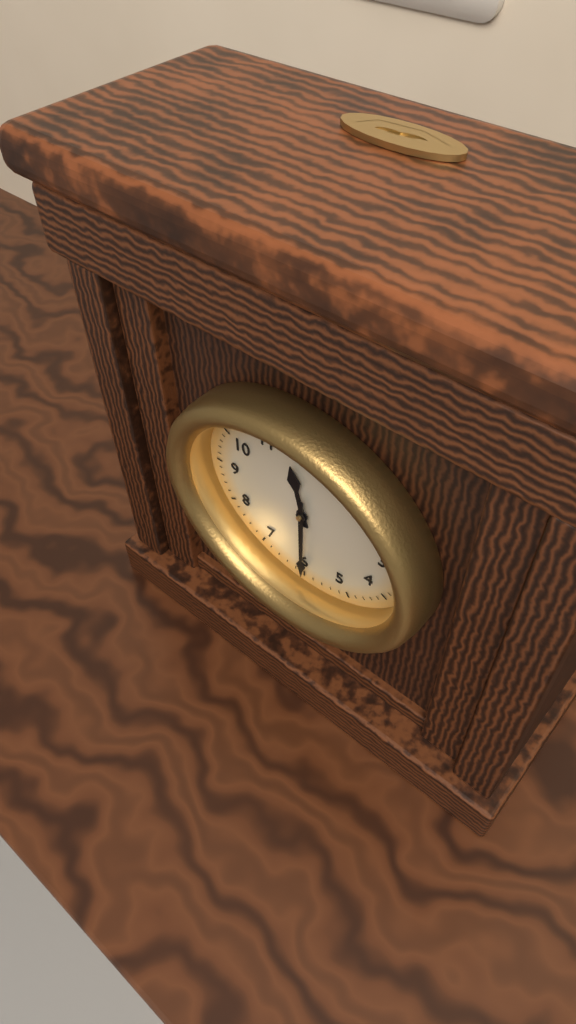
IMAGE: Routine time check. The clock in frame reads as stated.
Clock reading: 11:30
